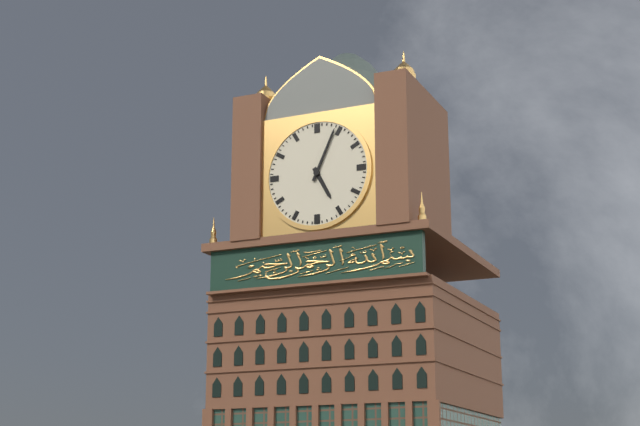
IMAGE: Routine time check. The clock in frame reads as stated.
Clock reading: 5:04
